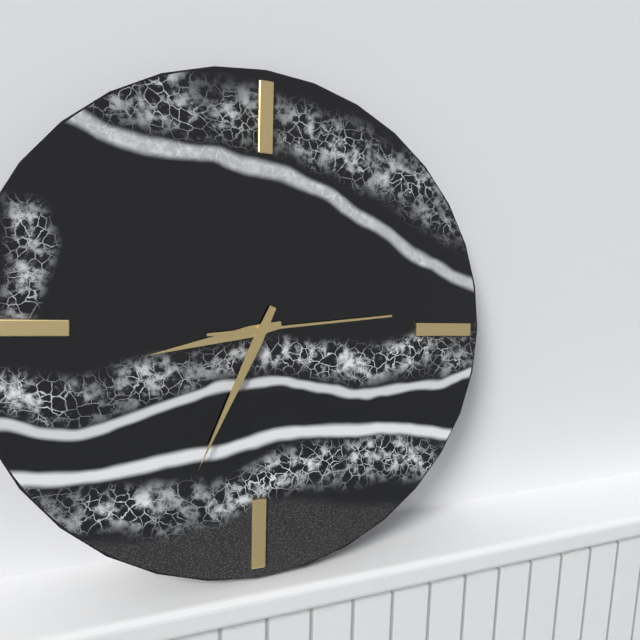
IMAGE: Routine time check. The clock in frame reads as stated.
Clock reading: 8:34:14
